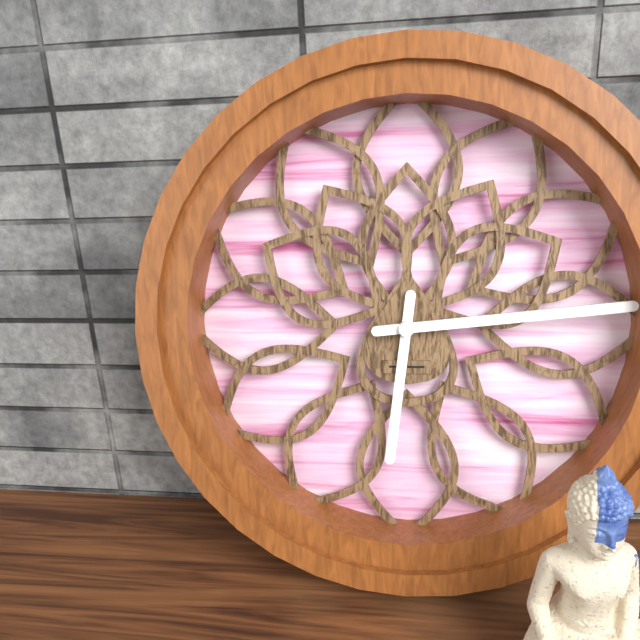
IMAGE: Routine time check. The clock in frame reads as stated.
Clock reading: 6:14
